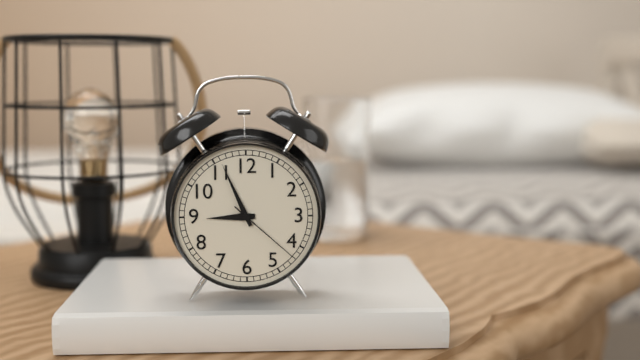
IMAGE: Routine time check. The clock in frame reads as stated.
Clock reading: 8:56:22
